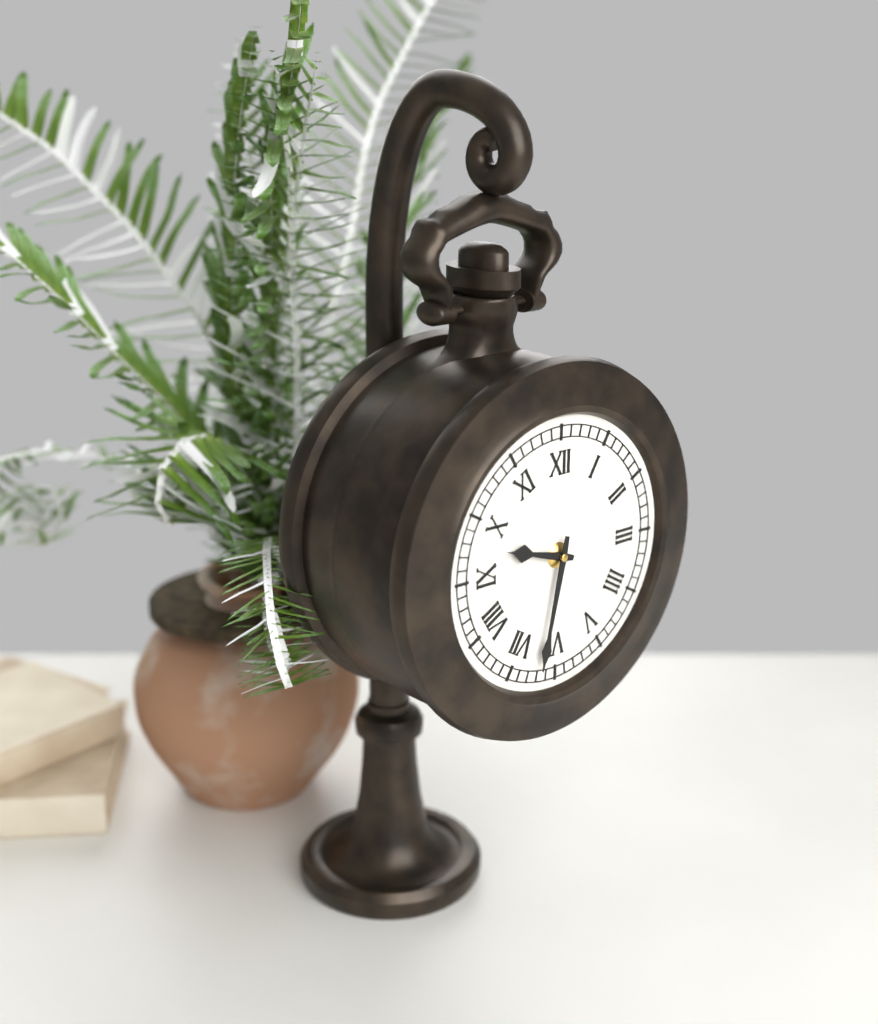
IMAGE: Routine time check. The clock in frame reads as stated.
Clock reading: 9:32
